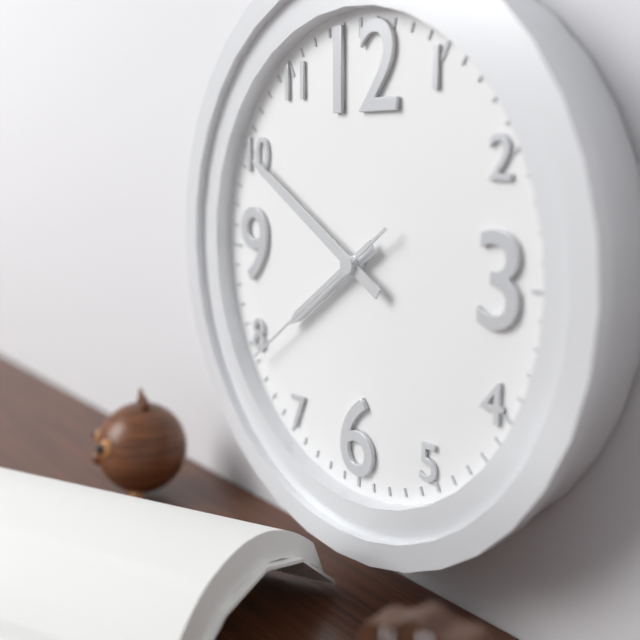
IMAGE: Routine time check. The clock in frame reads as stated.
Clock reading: 7:50:39
